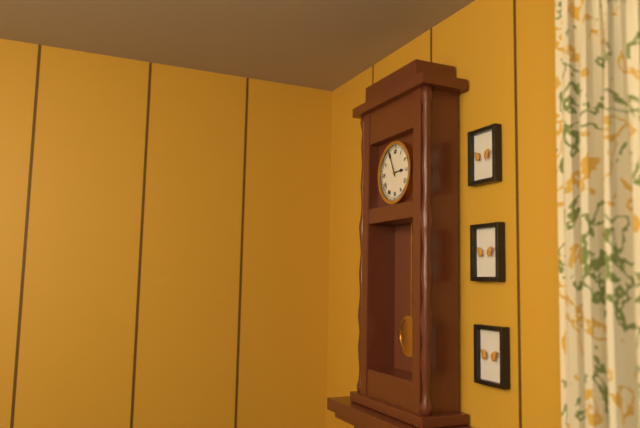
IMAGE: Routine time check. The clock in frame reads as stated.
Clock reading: 2:56
